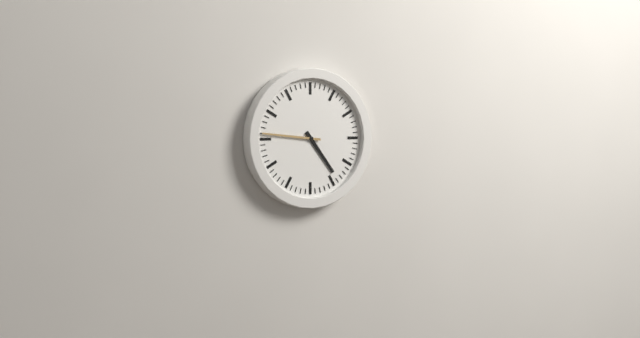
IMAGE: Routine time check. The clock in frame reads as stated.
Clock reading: 4:46
